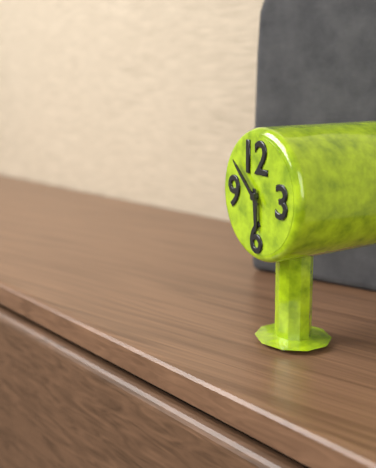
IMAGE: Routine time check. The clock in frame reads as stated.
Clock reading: 5:52
